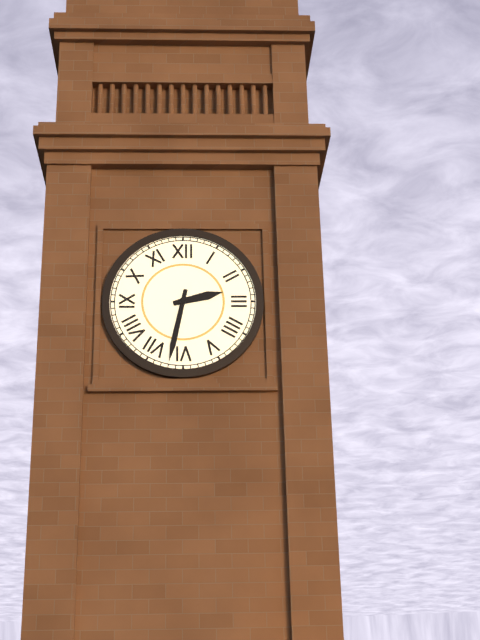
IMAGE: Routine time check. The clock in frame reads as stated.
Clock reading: 2:32
